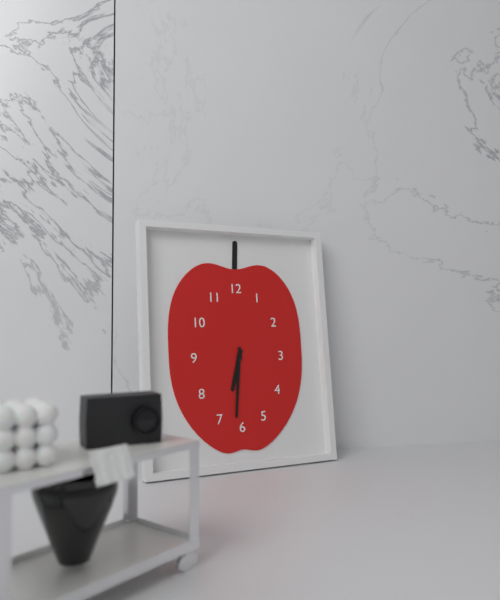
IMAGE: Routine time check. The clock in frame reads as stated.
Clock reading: 6:31
